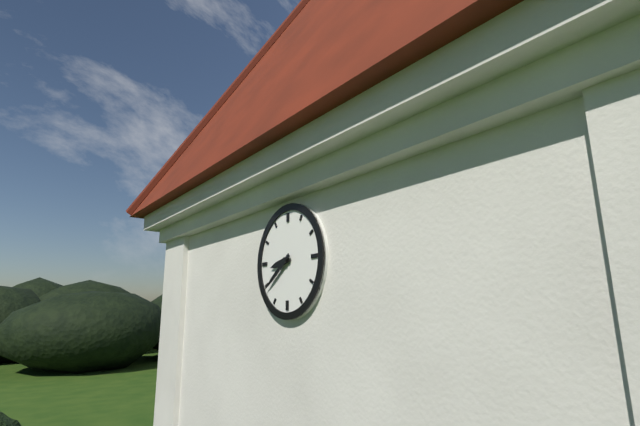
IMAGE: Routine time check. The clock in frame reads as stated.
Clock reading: 8:39
